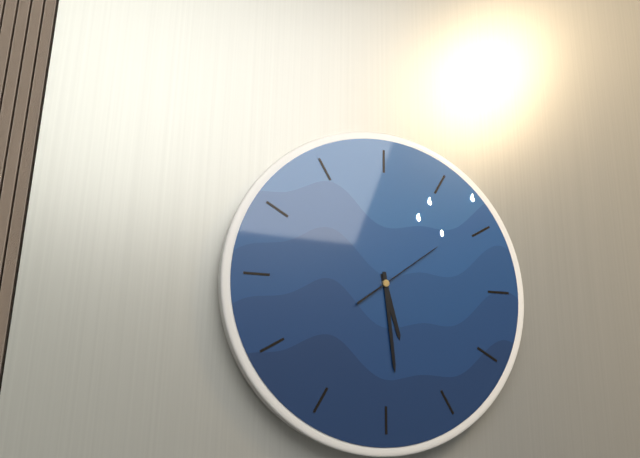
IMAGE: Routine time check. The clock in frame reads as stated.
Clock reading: 5:29:09
